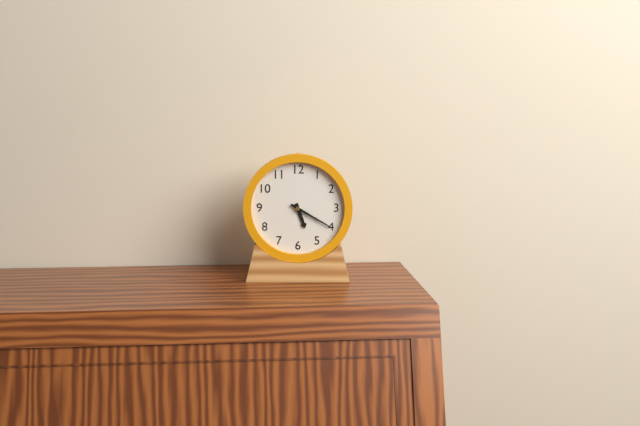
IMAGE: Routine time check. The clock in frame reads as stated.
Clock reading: 5:20
